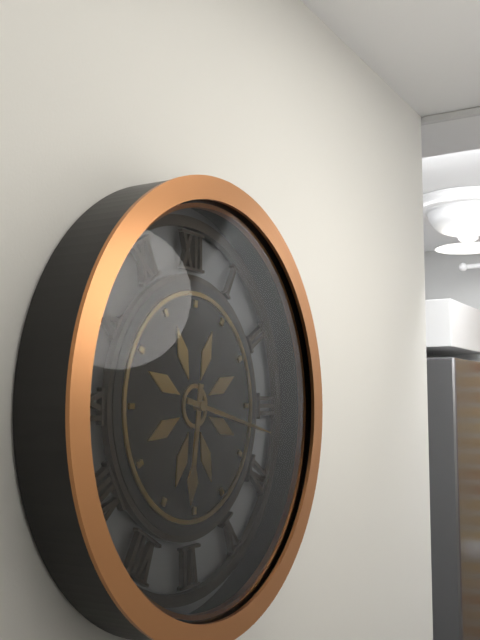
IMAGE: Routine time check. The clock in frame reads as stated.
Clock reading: 6:17
